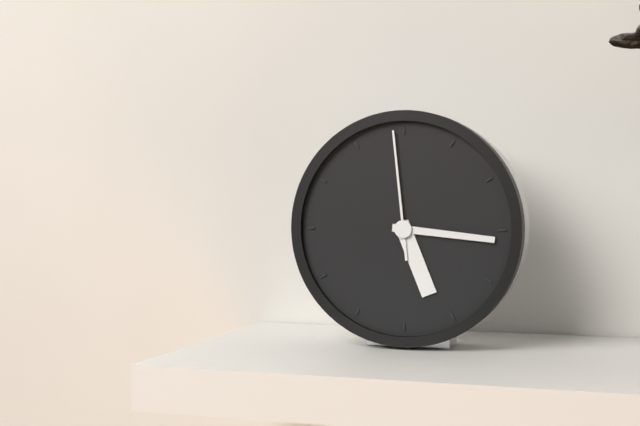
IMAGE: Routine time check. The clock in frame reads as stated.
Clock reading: 5:16:59
